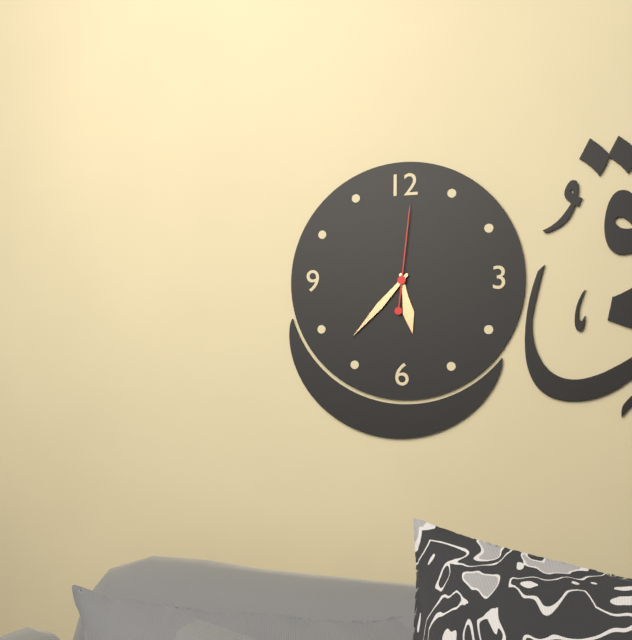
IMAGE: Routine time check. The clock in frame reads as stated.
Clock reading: 5:37:01
